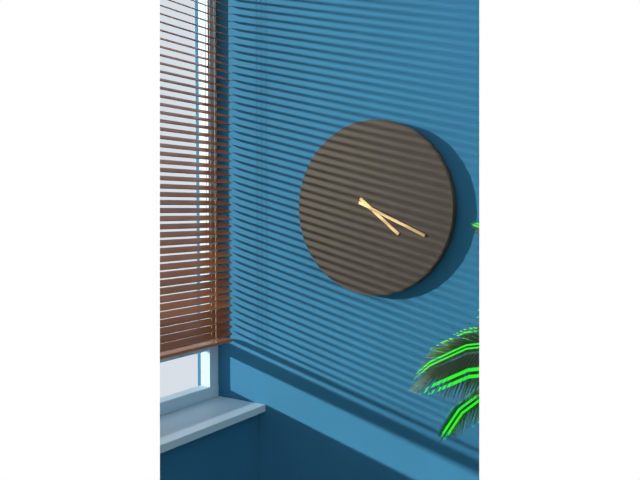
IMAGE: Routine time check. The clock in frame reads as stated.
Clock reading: 4:19
